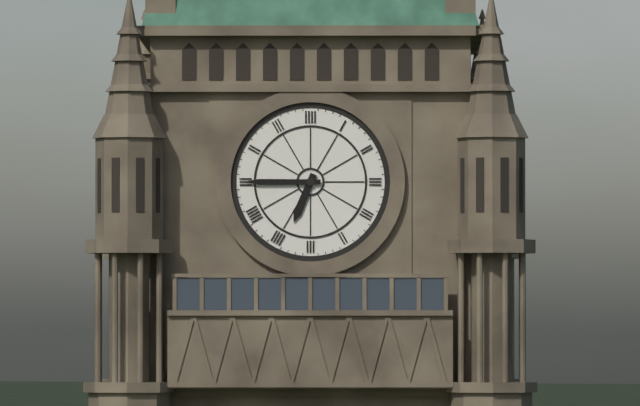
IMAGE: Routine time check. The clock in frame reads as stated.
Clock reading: 6:45
